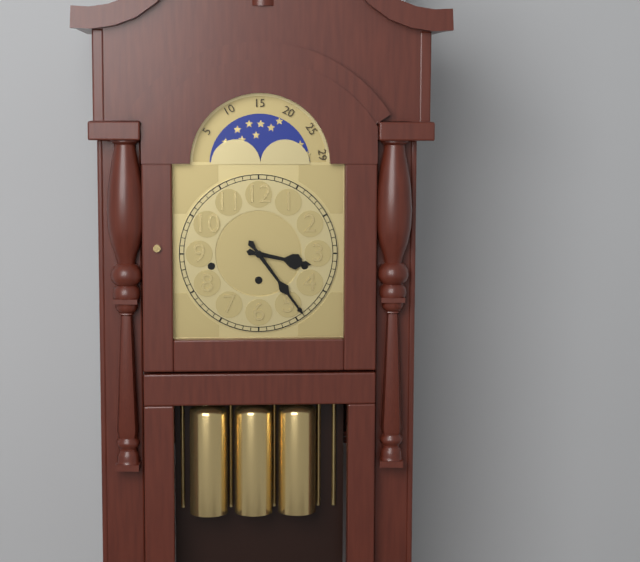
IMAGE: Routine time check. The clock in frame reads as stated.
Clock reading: 3:24
